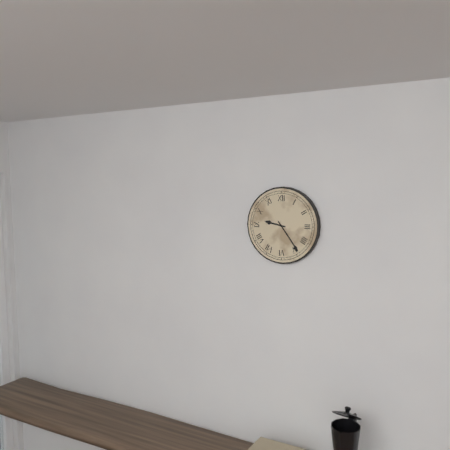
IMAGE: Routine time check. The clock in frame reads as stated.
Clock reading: 9:24
